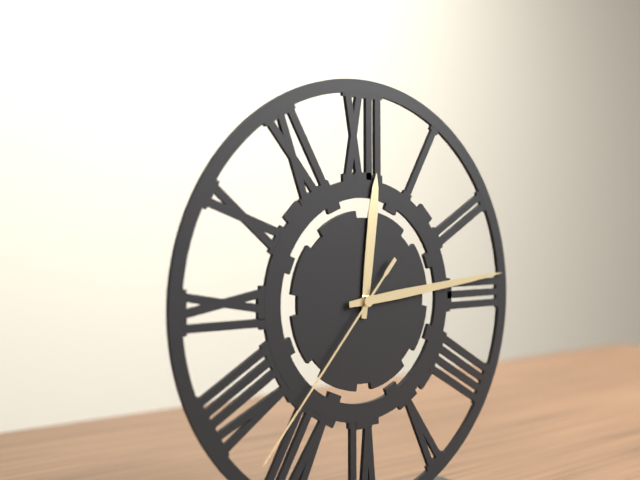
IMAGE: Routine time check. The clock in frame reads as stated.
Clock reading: 12:14:37
